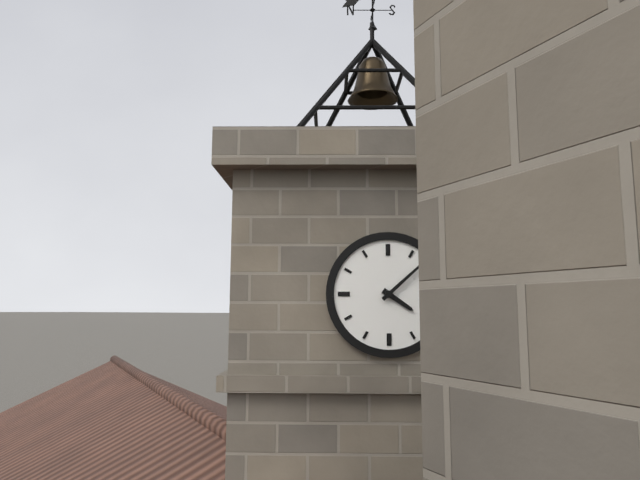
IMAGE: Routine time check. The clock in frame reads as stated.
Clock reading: 4:08
